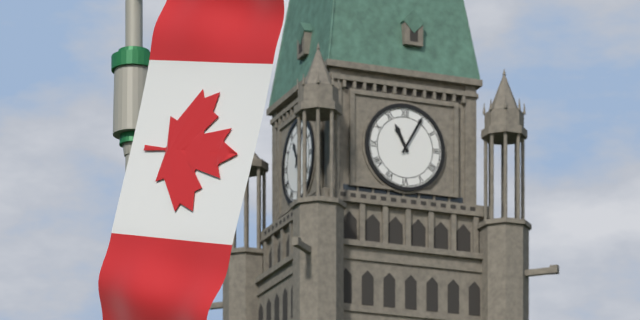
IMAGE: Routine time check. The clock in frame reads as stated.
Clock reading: 11:05
